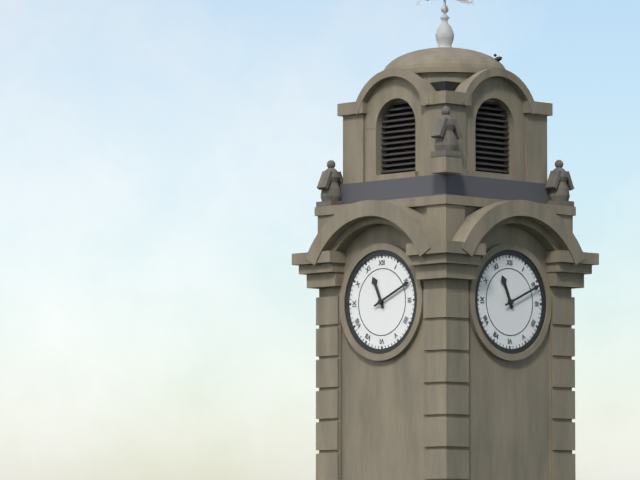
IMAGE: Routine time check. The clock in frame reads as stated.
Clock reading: 11:11
